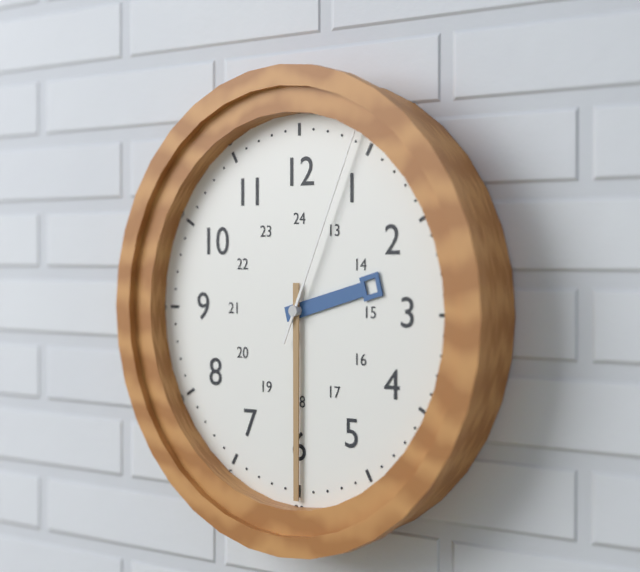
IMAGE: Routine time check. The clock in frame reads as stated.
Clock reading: 2:30:04
